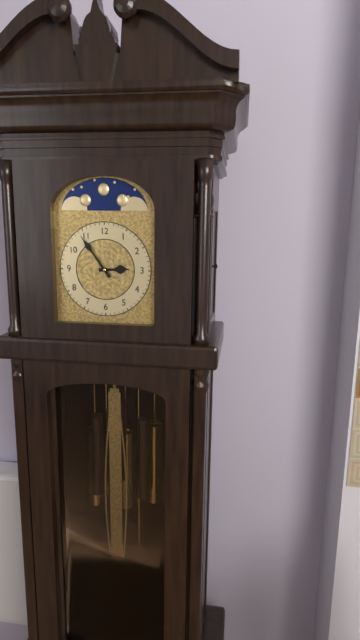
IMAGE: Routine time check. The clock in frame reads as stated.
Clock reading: 2:54
